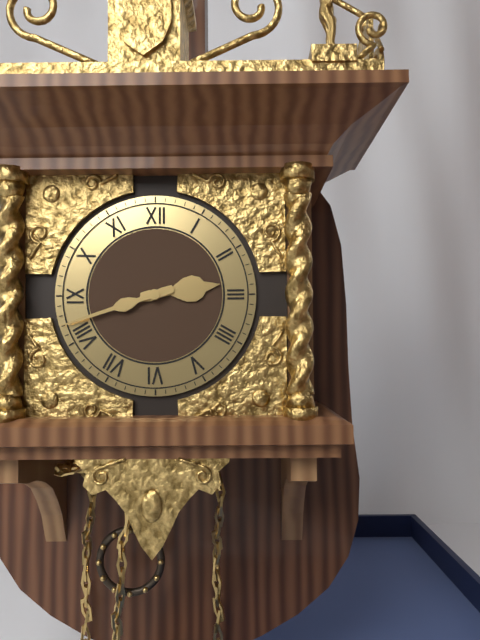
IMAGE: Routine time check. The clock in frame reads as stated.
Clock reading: 2:42
